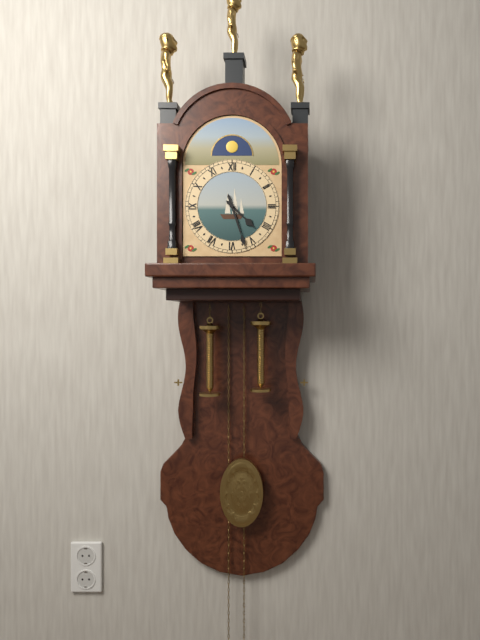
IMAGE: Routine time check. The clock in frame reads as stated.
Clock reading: 4:27
